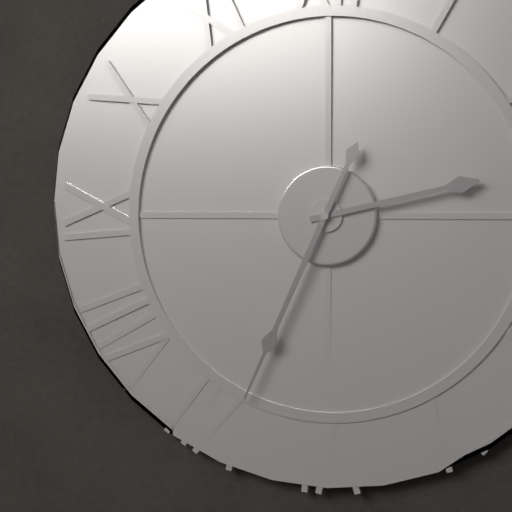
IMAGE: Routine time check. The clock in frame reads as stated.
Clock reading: 2:34
